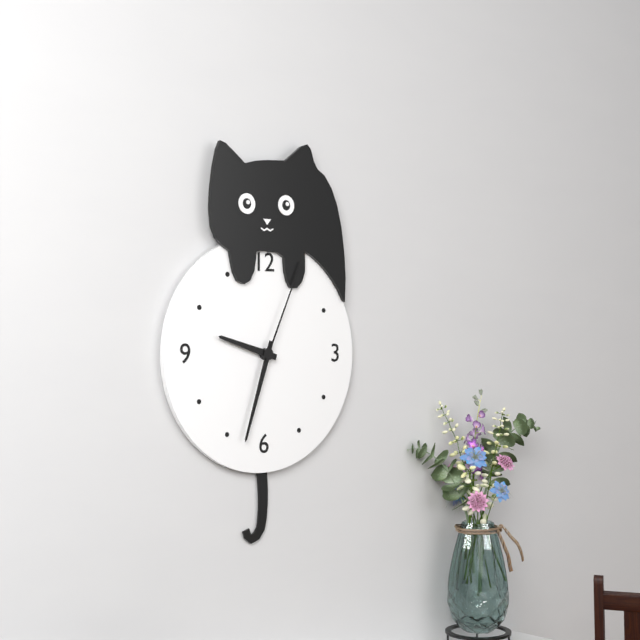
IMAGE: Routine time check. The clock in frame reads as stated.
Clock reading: 9:33:04
